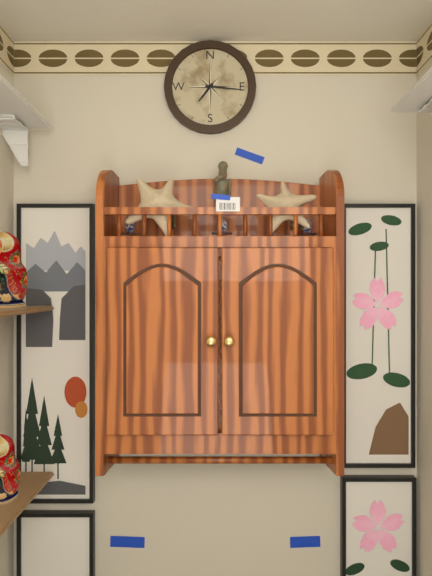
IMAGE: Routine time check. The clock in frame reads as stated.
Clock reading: 7:16
